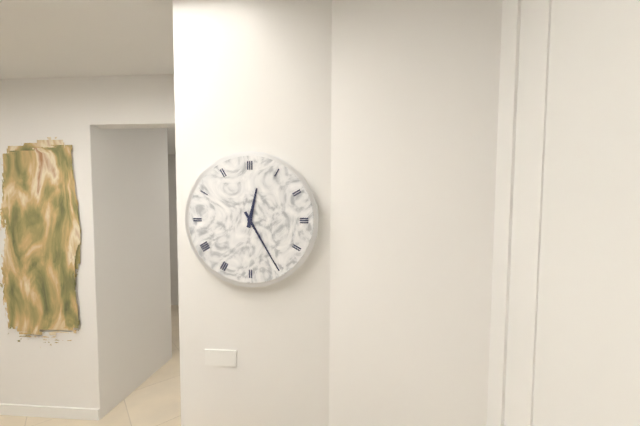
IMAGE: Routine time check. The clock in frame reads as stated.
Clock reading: 12:25
